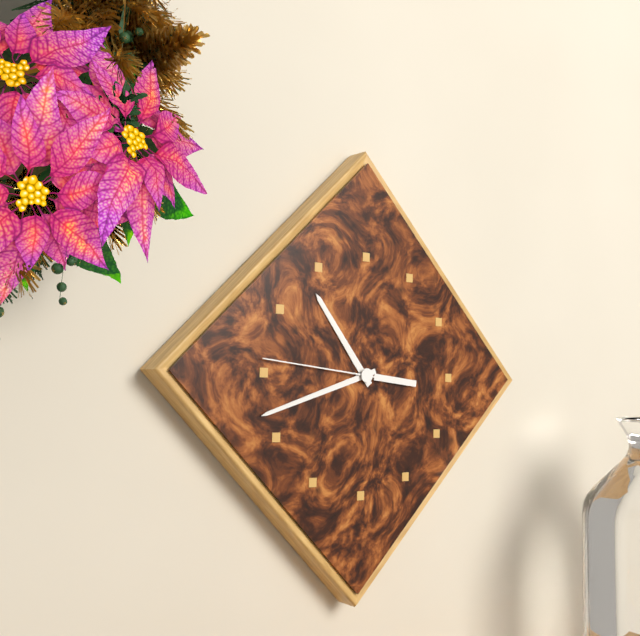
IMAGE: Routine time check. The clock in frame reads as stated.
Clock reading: 10:42:46
